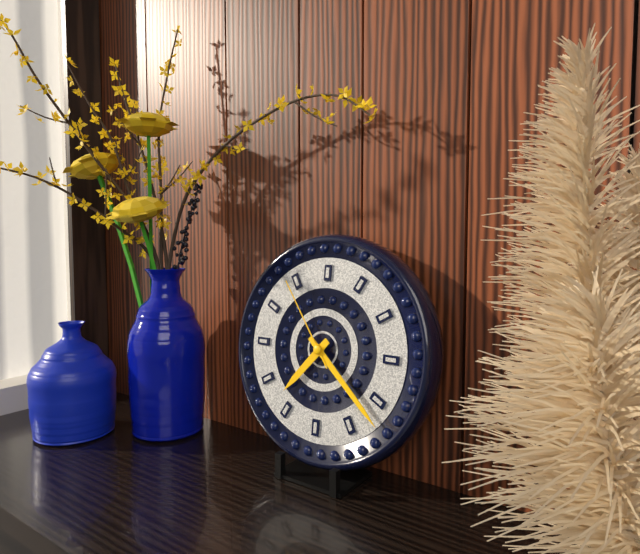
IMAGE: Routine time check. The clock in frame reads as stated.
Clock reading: 7:22:54
